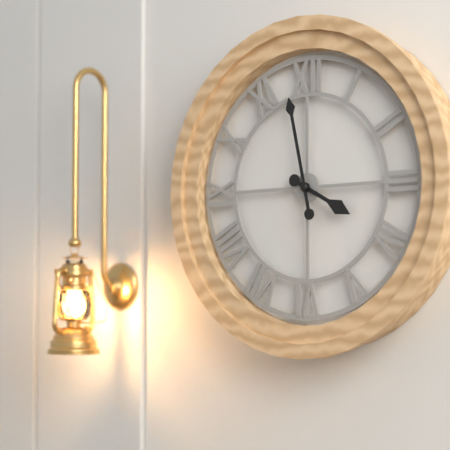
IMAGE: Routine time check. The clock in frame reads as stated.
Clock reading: 3:58
